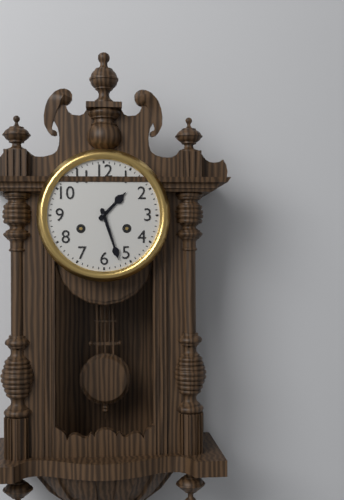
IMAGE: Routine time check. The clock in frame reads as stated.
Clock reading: 1:27
